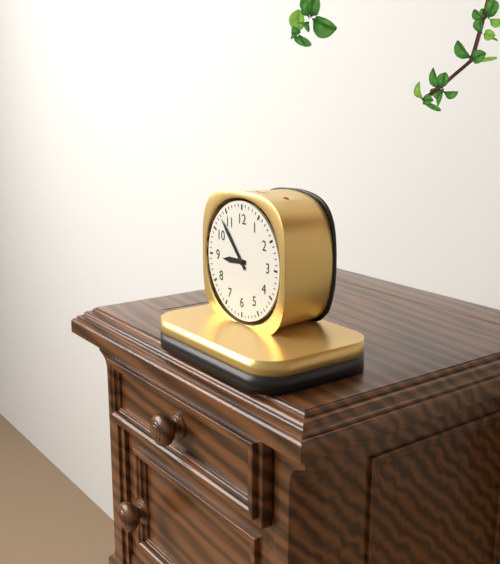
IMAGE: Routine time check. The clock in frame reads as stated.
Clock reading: 8:53
